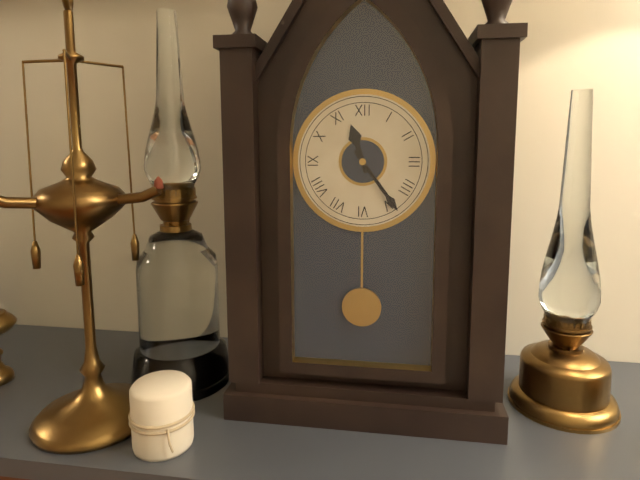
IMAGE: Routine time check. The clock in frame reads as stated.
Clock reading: 11:24
